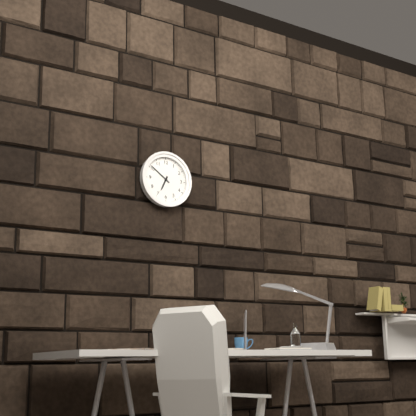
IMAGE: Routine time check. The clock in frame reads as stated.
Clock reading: 6:51
